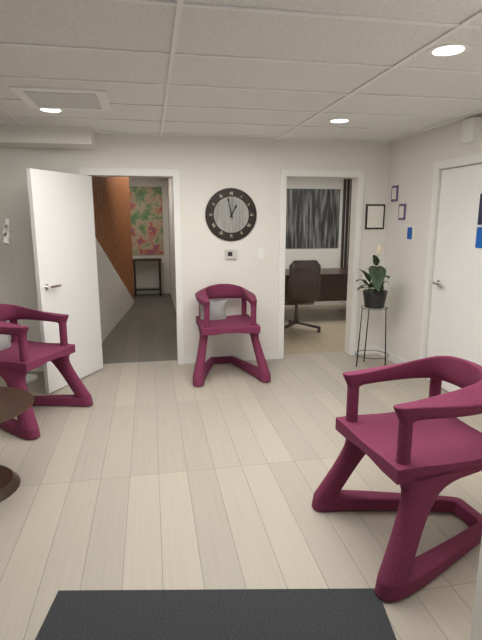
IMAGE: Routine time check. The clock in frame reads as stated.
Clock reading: 12:58
